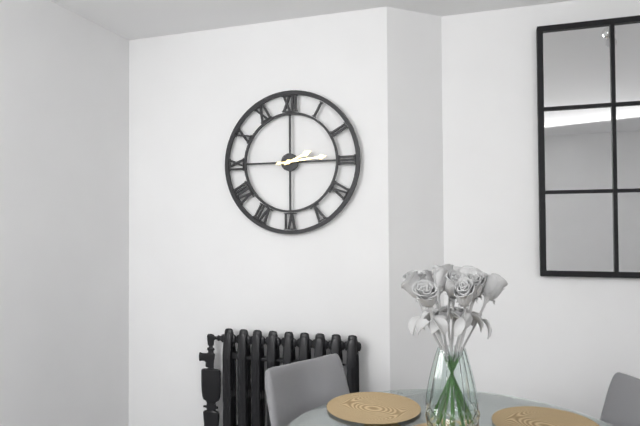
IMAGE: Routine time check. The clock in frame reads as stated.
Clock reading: 2:14
